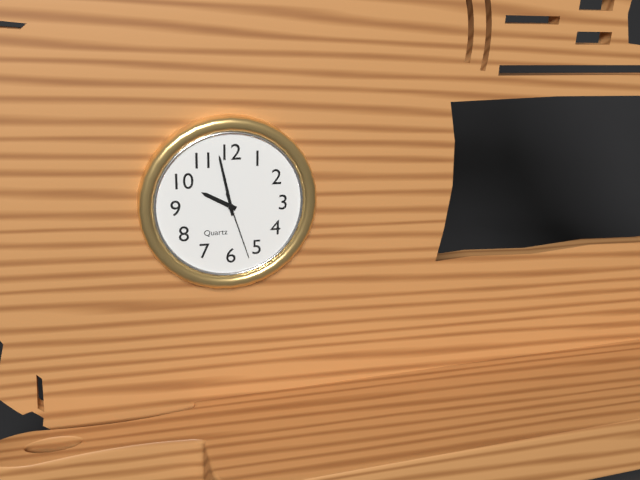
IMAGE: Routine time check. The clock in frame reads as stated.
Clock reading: 9:58:27
